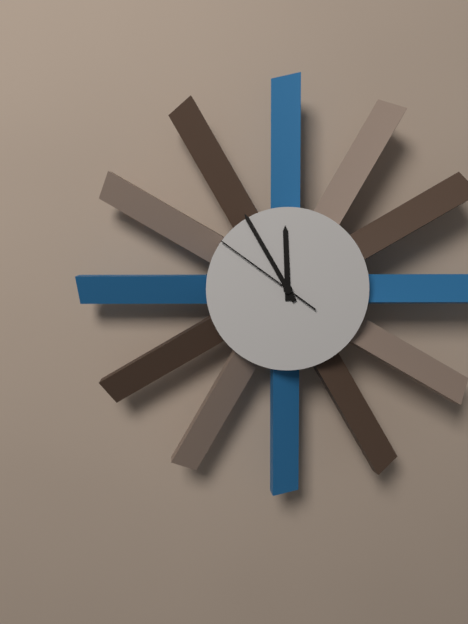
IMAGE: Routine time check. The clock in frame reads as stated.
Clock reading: 11:55:51
